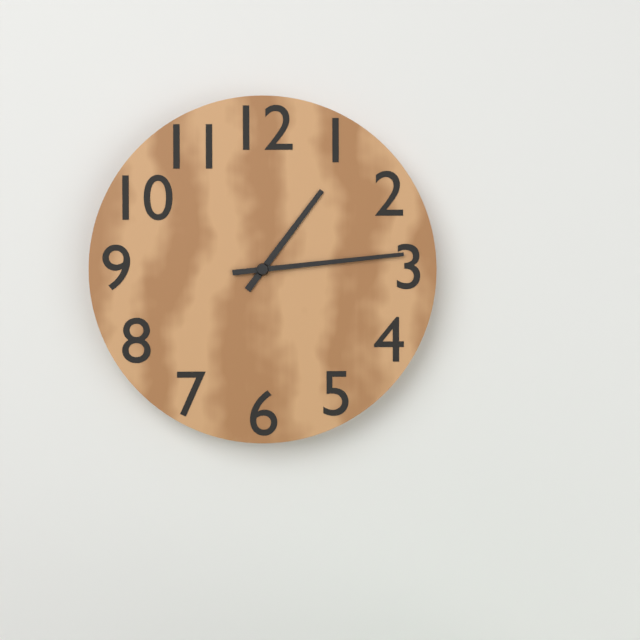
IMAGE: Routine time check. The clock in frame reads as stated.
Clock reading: 1:14
